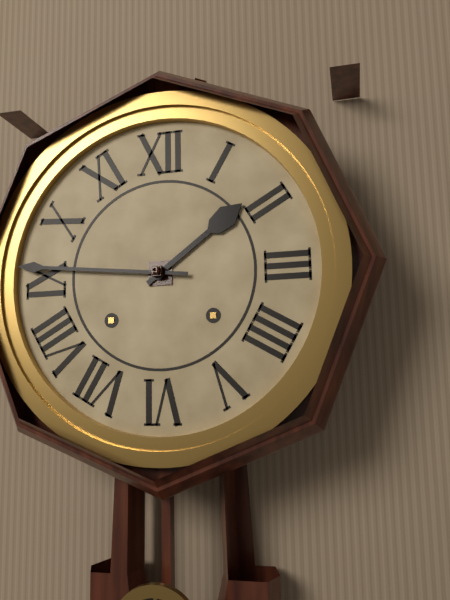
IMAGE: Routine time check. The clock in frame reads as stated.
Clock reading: 1:46
